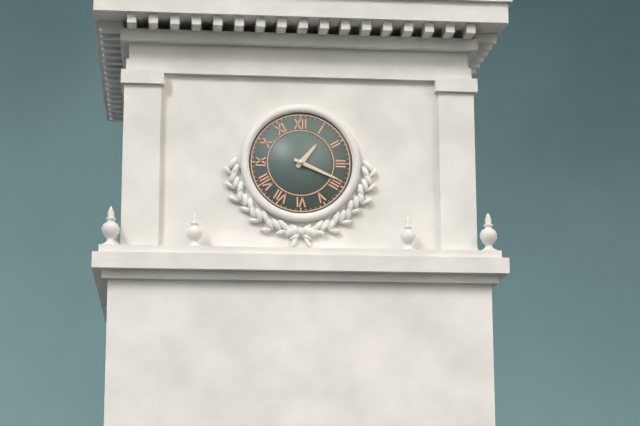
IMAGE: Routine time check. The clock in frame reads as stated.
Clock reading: 1:19
